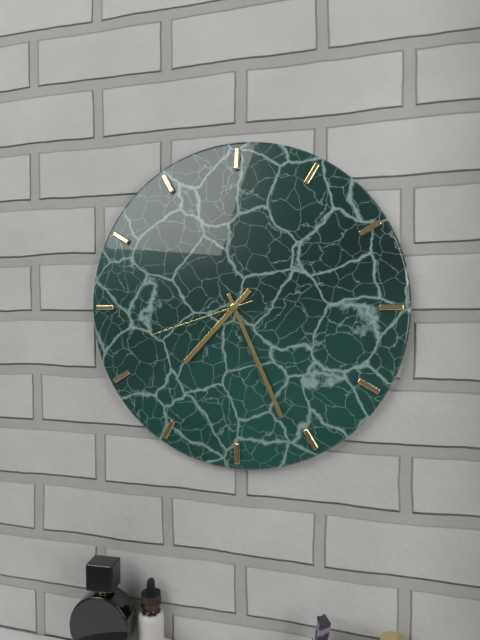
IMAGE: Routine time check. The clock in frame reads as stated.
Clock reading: 7:26:42
